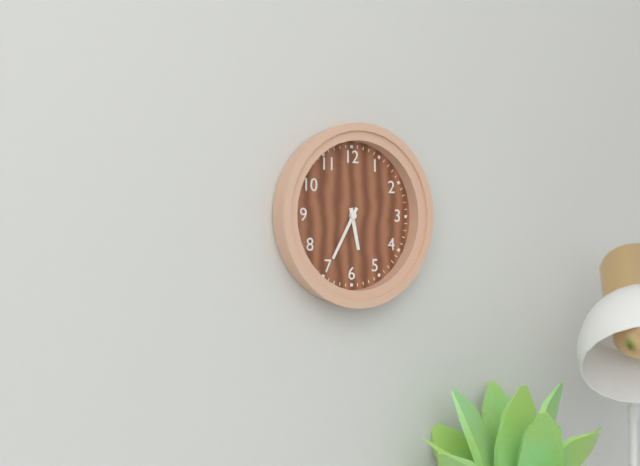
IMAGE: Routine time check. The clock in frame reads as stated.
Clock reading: 5:35
